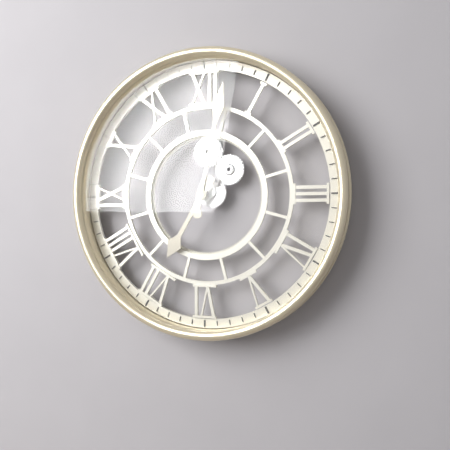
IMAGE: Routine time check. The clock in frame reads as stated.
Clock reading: 7:02
